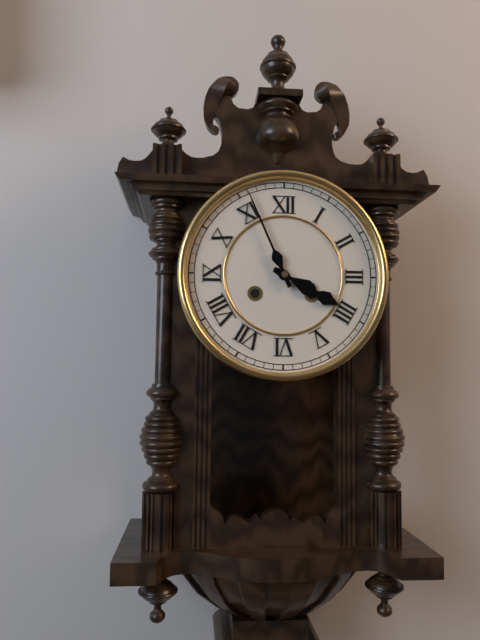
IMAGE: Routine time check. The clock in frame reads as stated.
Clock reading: 3:56
